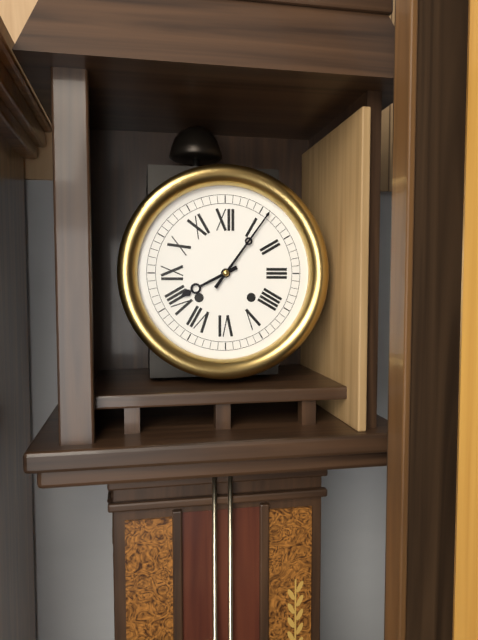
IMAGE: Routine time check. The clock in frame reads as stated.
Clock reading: 8:06
